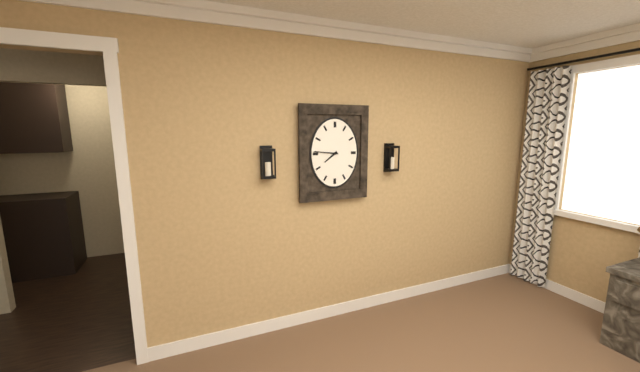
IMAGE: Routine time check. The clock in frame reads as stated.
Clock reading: 7:46
